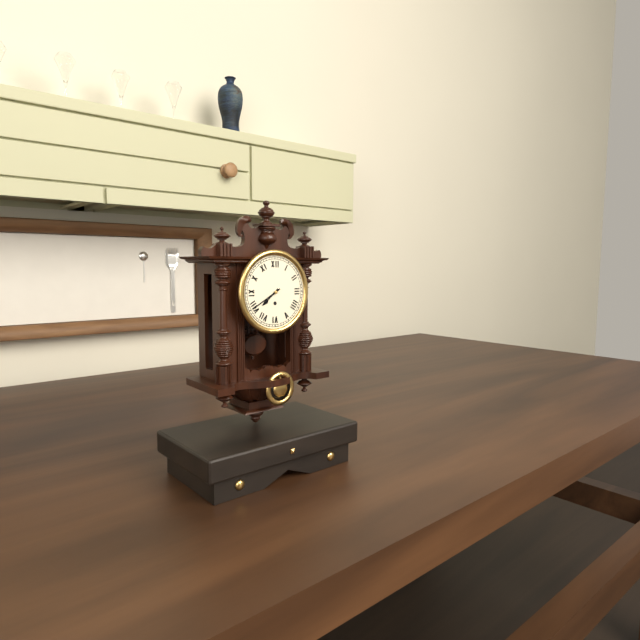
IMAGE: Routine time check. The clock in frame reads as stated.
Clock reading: 7:40
